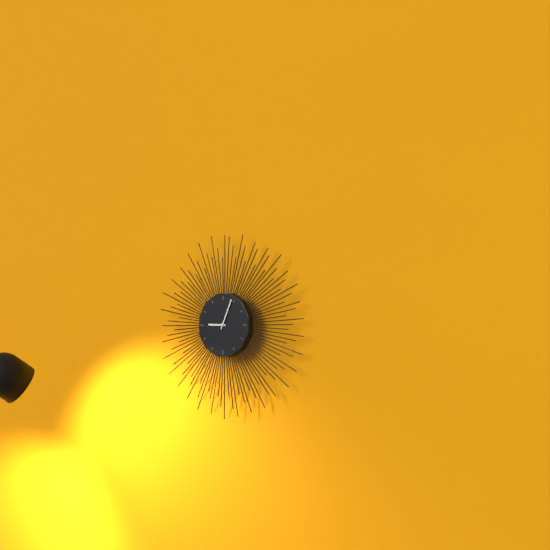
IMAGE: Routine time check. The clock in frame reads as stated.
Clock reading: 9:04
